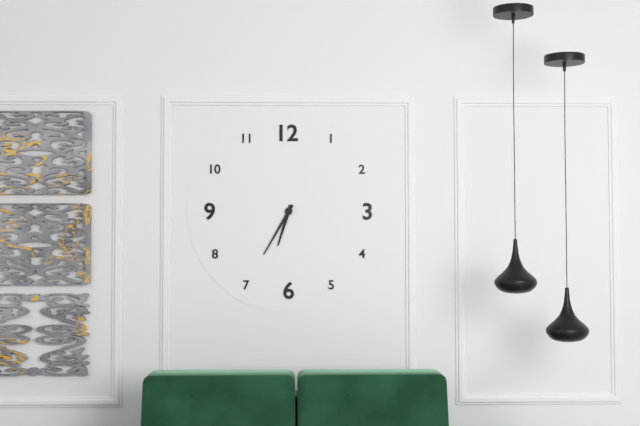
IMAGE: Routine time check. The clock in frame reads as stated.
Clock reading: 6:35
